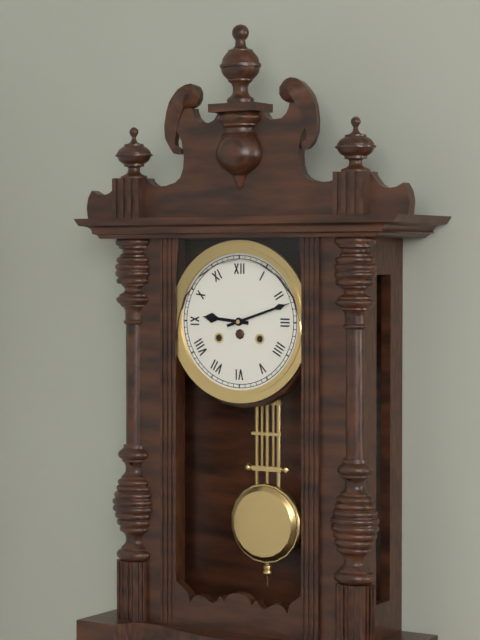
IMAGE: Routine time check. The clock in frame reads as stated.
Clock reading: 9:12
